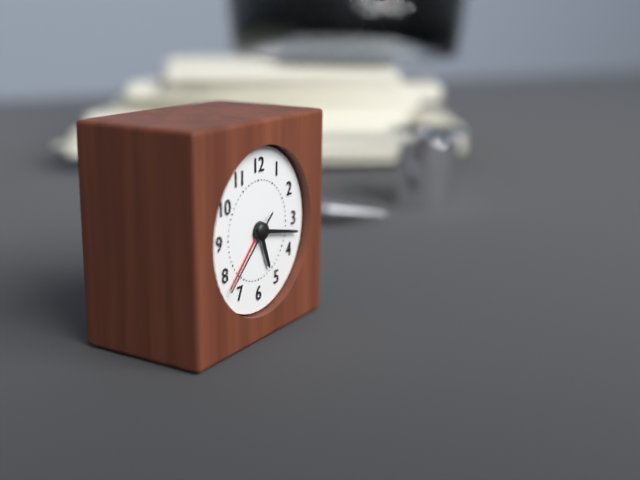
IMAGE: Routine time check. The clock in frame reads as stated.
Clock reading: 5:17:38
